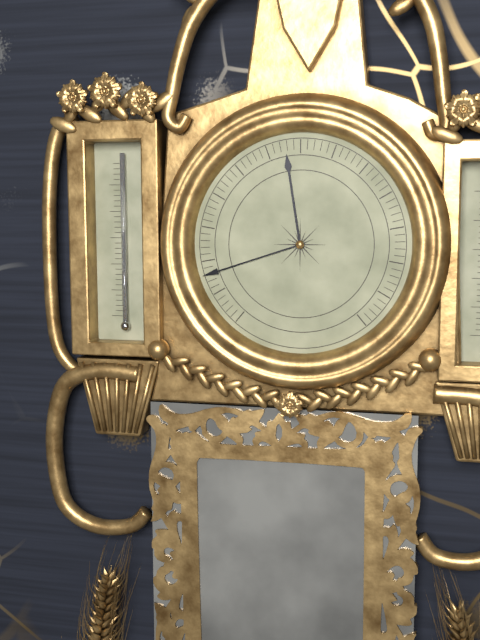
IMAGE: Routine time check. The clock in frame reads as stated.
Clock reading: 11:42
